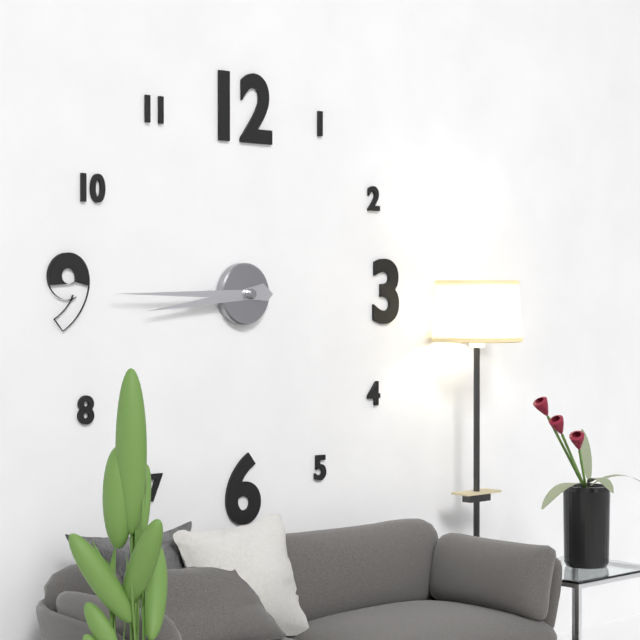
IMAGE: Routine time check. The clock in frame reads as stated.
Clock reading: 8:45
